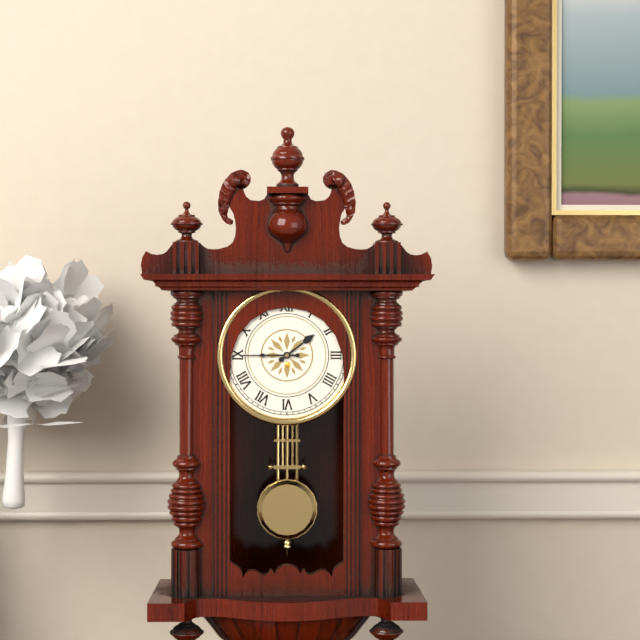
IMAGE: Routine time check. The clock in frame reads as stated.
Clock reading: 1:45
